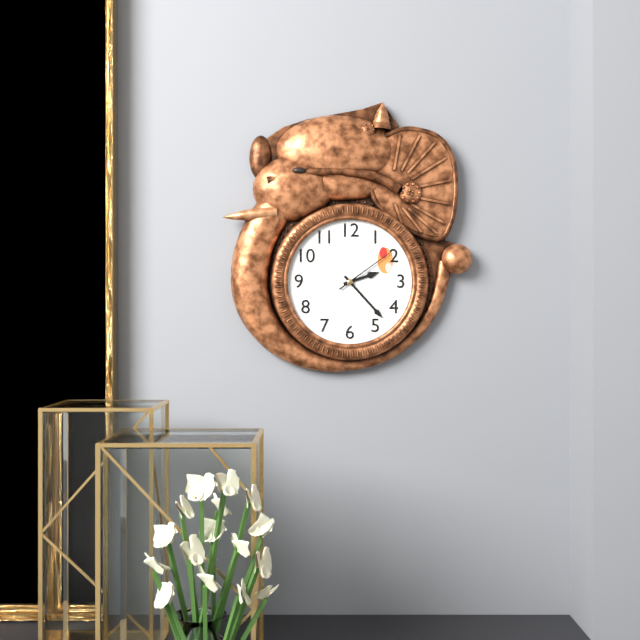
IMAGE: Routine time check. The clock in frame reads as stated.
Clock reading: 2:23:09
